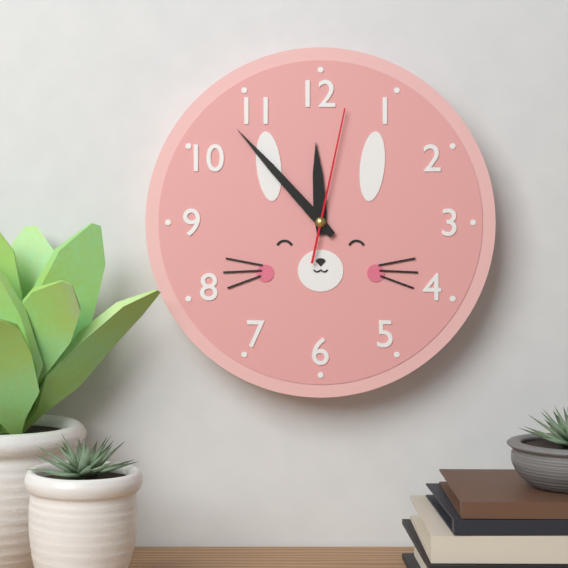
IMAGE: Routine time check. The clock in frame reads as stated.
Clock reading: 11:53:02
